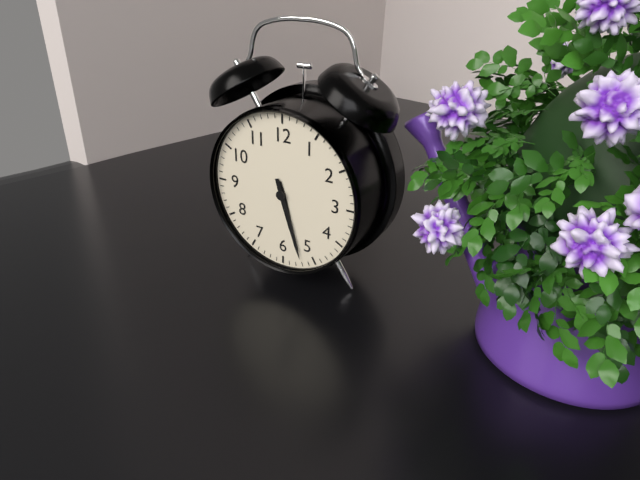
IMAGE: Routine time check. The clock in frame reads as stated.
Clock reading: 5:27
